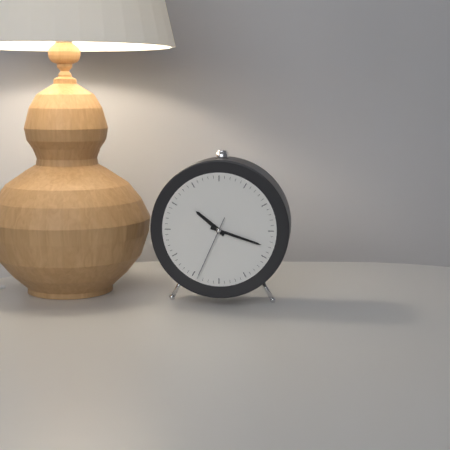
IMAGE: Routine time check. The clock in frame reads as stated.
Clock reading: 10:18:34
